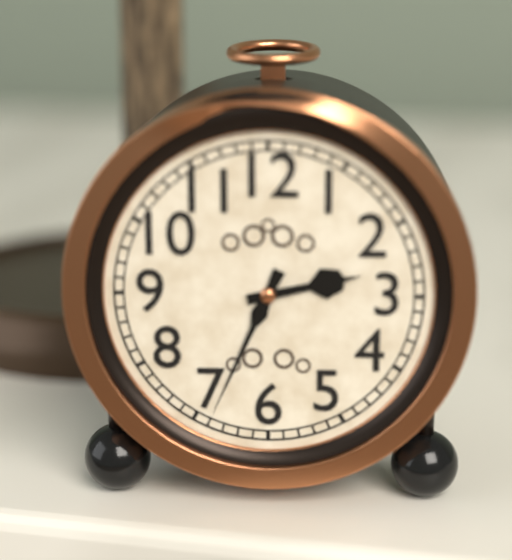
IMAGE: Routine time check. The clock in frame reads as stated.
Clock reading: 2:34
